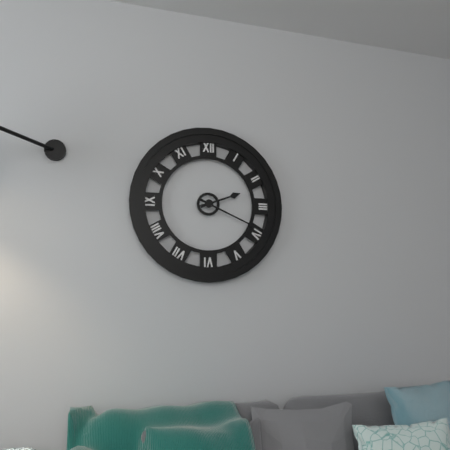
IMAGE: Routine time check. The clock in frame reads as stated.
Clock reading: 2:19
